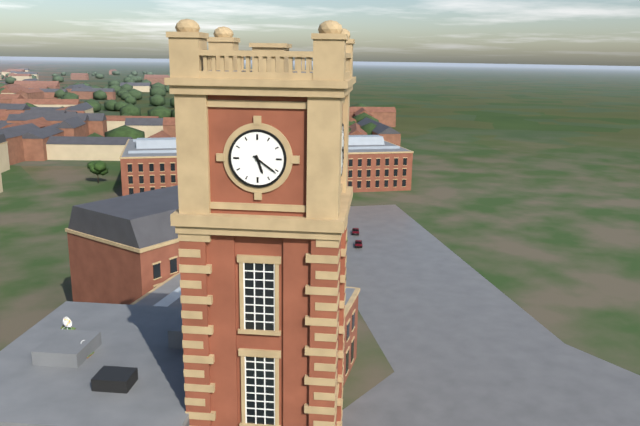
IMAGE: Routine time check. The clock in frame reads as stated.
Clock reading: 5:21
